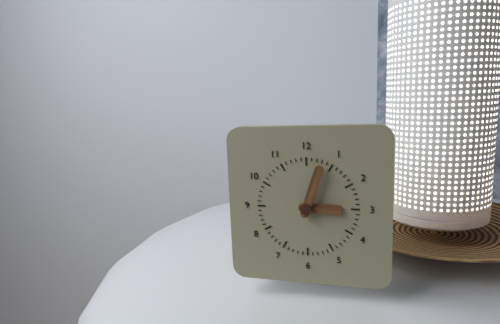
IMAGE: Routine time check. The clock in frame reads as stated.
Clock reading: 3:03
